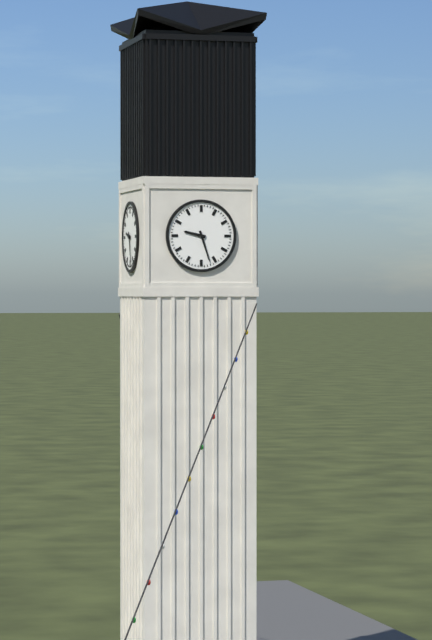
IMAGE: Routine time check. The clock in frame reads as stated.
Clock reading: 9:27
